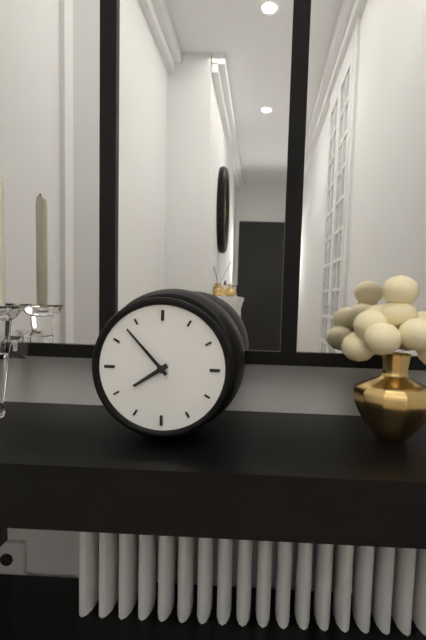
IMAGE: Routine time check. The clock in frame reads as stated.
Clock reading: 7:53
